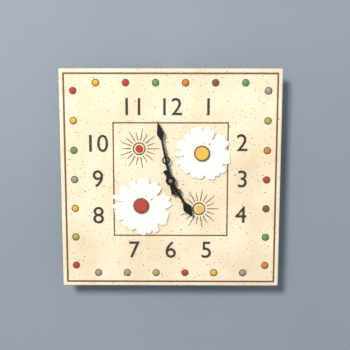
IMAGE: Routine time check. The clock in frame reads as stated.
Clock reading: 4:58
